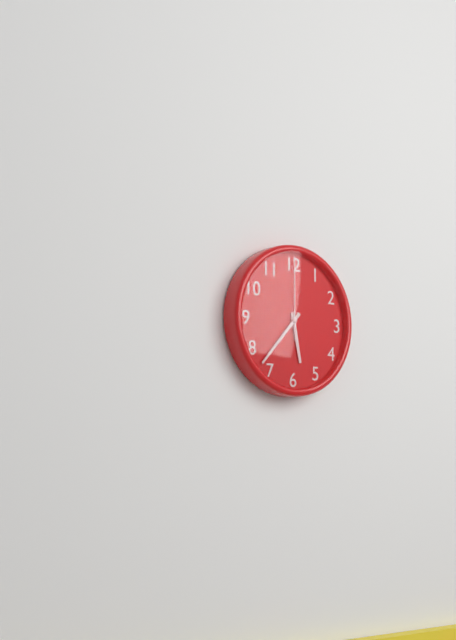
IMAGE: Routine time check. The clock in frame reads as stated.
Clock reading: 5:37:00
